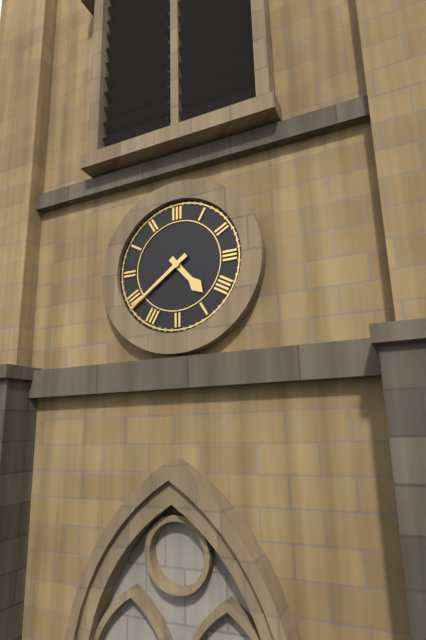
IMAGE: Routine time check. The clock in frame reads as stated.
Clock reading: 4:39
